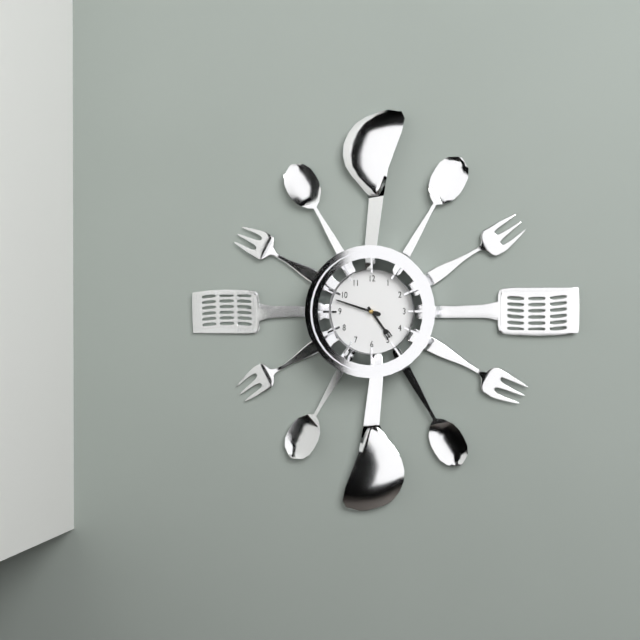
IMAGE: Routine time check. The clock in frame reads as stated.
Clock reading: 4:48
